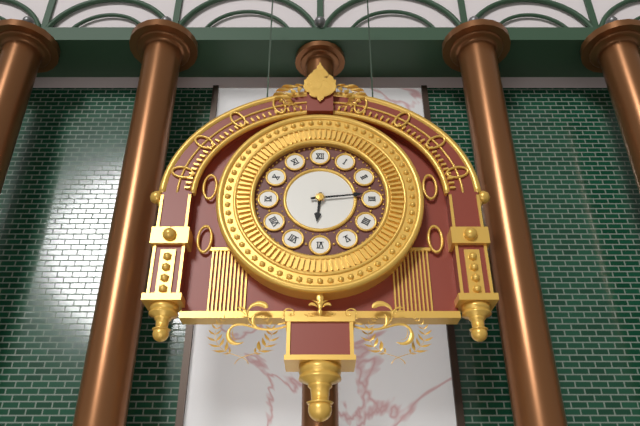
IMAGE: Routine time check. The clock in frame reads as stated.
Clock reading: 6:14
